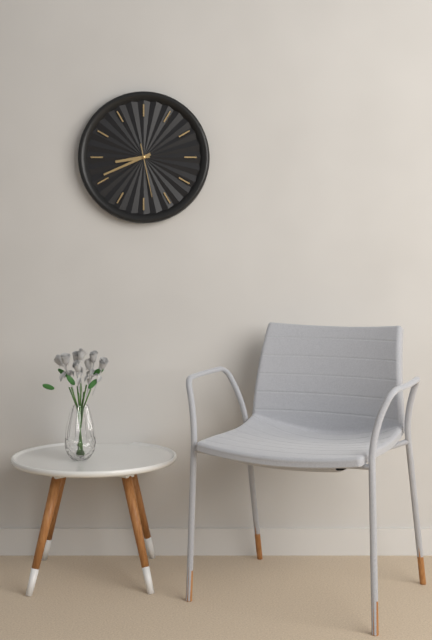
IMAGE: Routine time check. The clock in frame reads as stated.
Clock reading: 8:41:28
